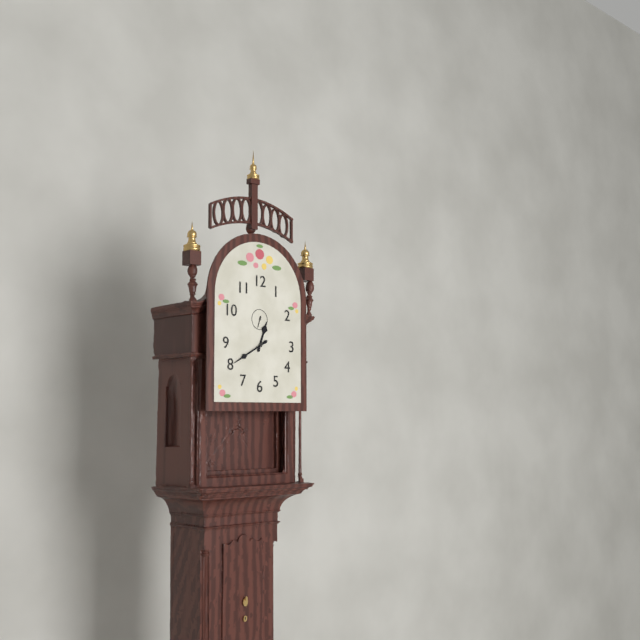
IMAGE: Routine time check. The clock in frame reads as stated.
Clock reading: 12:40
